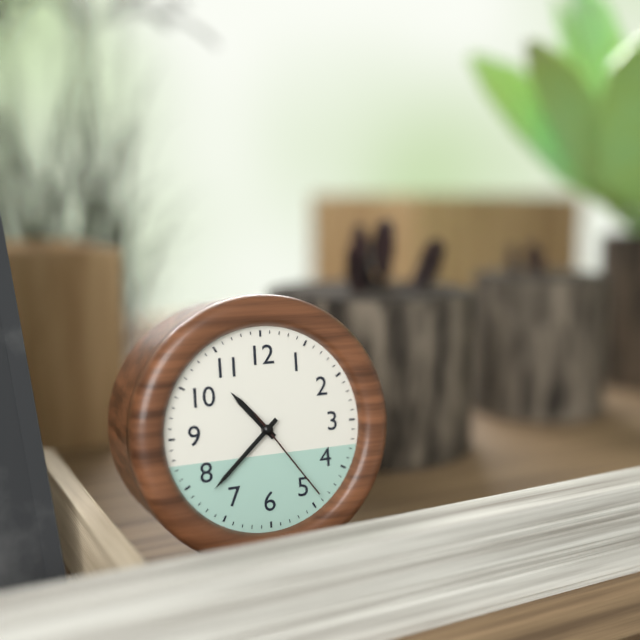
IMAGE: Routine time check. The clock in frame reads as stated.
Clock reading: 10:38:24
